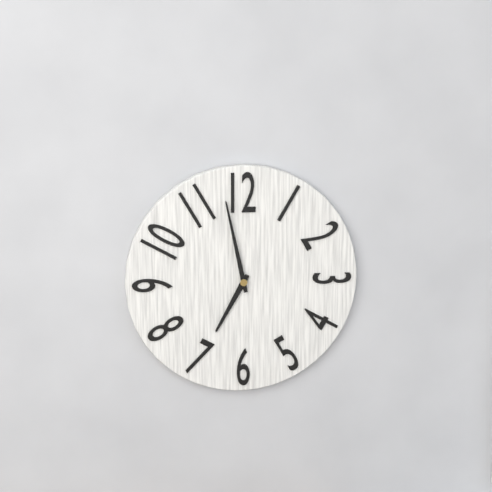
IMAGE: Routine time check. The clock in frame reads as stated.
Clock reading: 6:58
